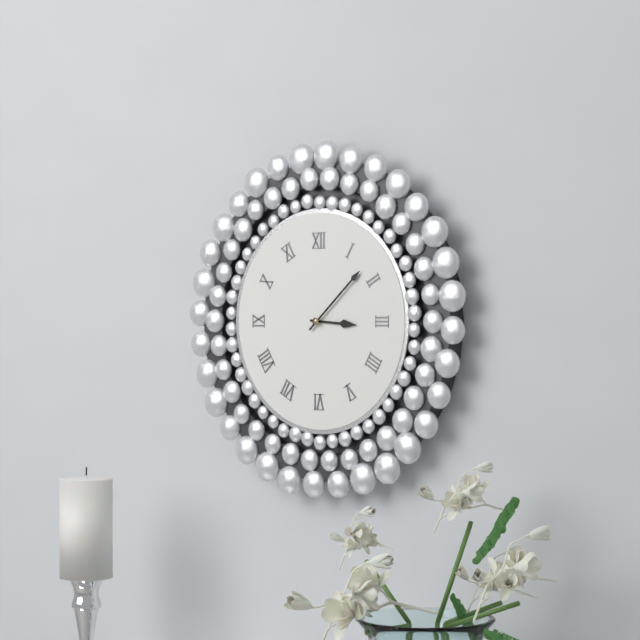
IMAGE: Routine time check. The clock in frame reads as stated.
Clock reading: 3:08
